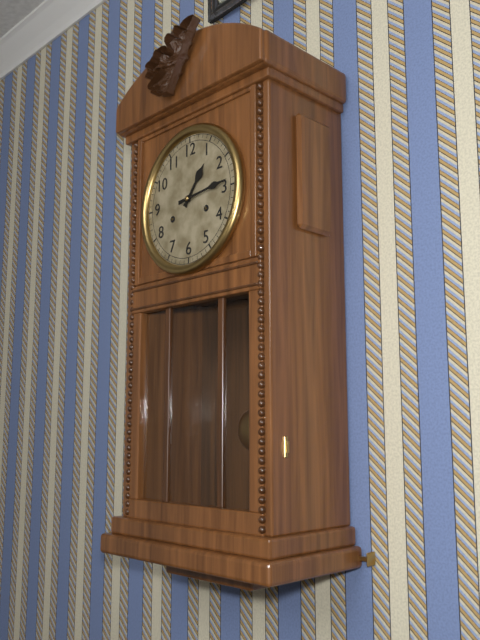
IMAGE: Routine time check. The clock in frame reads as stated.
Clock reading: 1:14
